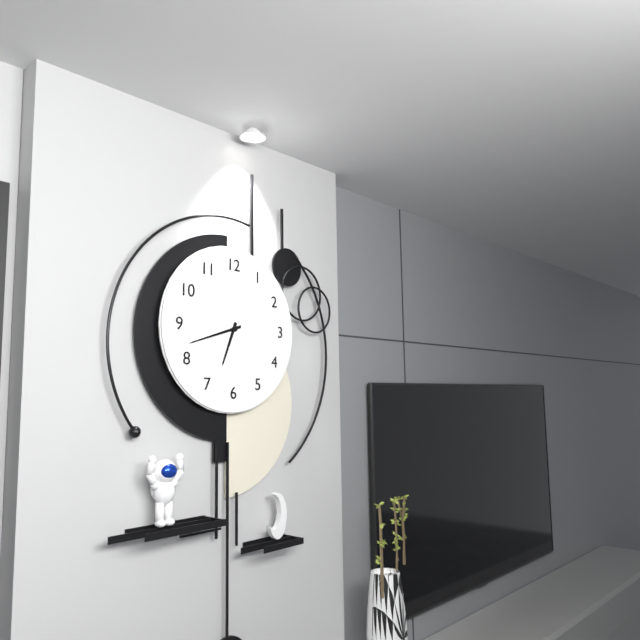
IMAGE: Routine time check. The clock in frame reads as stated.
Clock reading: 6:42
